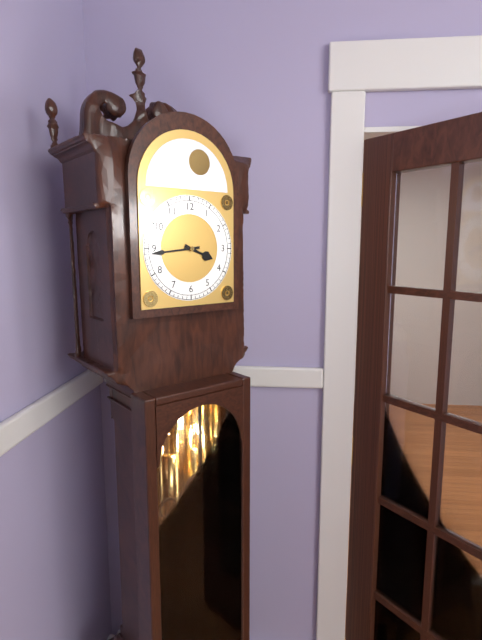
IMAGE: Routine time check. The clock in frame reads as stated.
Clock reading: 3:44
